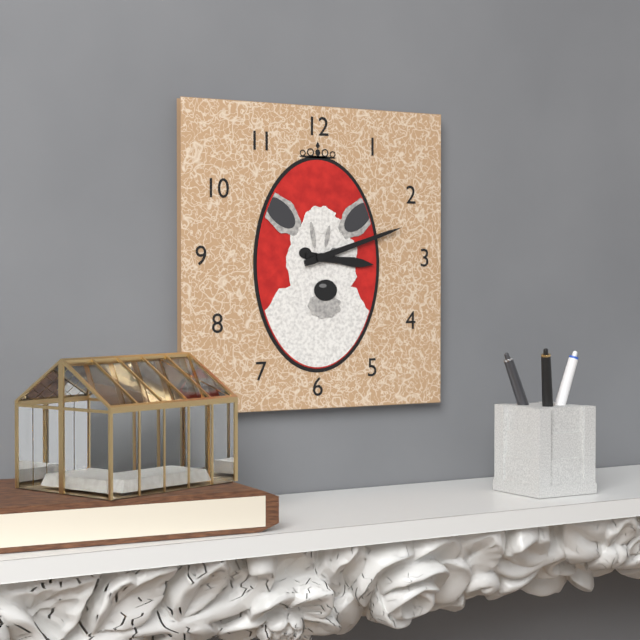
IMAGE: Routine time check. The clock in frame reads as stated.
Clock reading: 3:12
